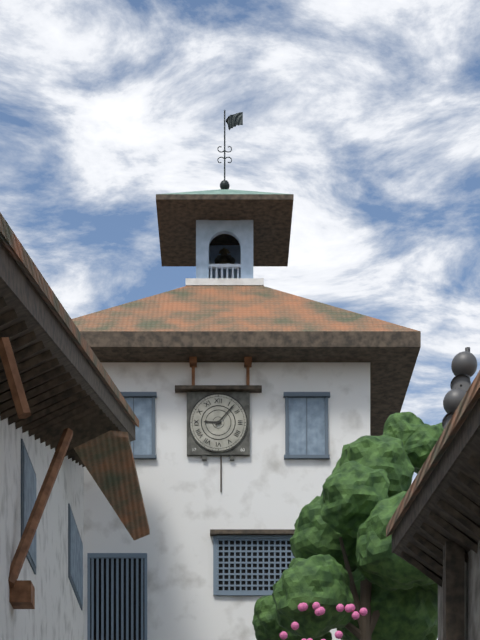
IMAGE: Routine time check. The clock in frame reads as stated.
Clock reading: 9:07
